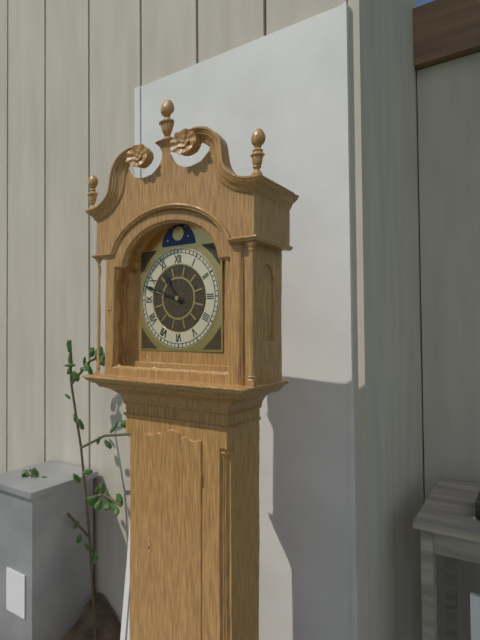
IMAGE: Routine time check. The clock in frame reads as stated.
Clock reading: 10:48
